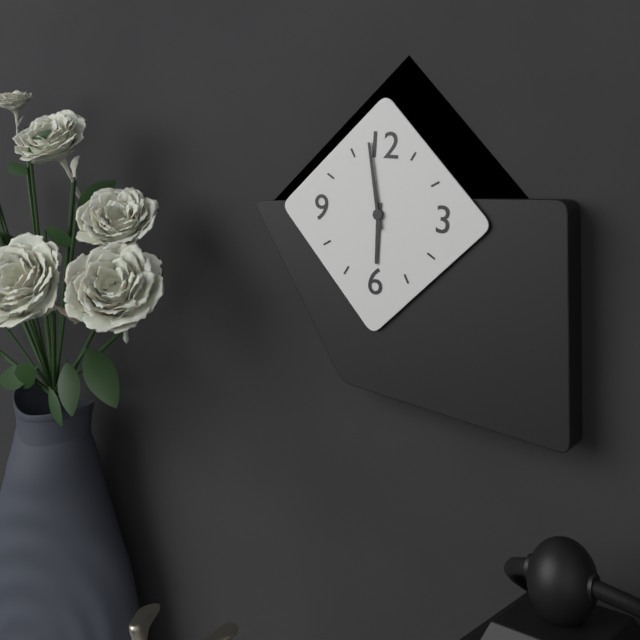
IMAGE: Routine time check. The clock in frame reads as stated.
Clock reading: 5:58
